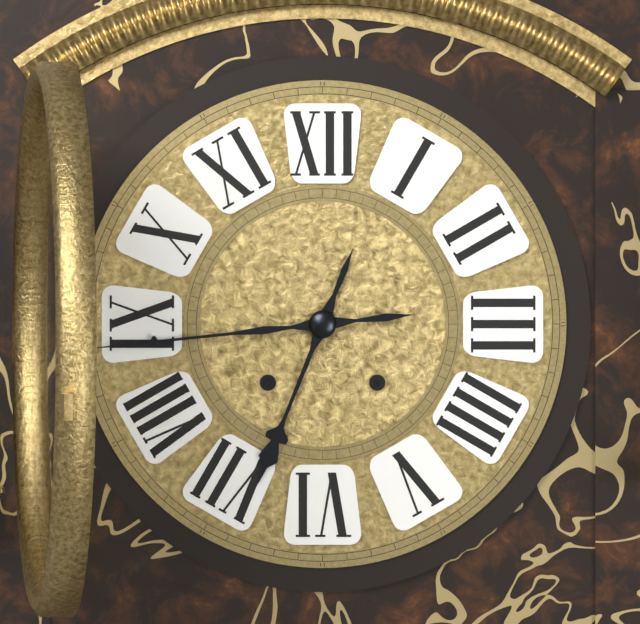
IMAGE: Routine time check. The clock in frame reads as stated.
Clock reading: 6:44
